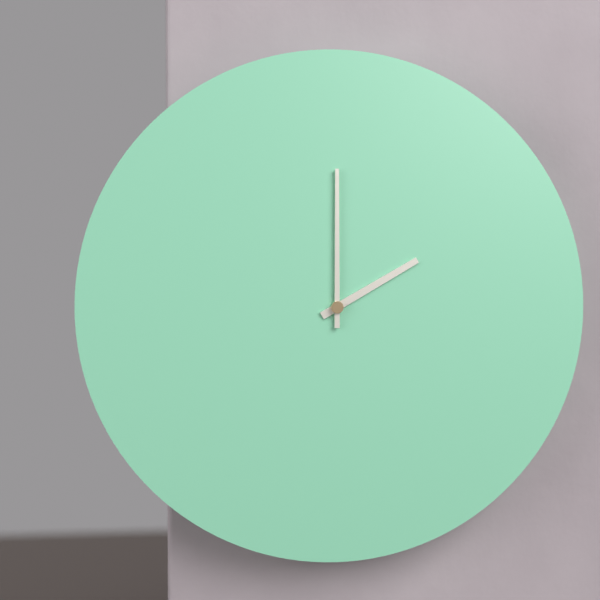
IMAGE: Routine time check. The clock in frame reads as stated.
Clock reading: 2:00
